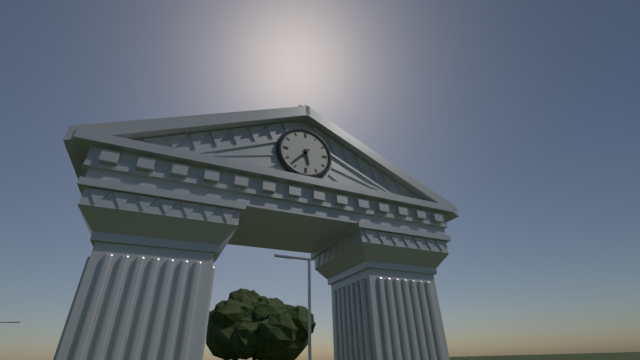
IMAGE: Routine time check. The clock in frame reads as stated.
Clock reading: 5:37
